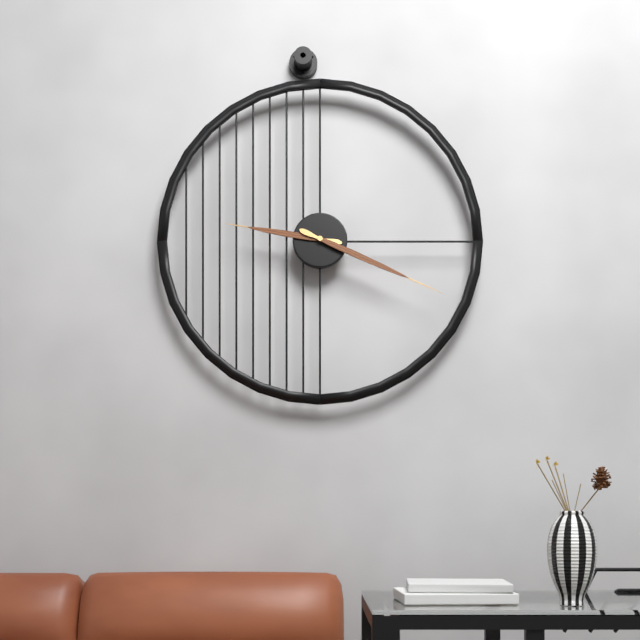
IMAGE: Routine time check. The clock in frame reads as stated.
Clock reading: 9:19
